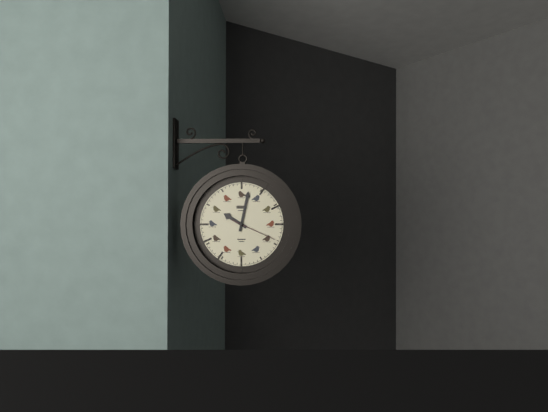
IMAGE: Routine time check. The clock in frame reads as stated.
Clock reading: 10:02
